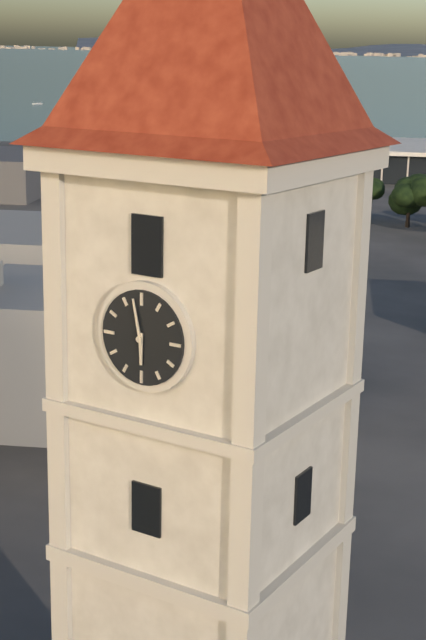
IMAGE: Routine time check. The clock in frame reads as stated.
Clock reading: 5:58
